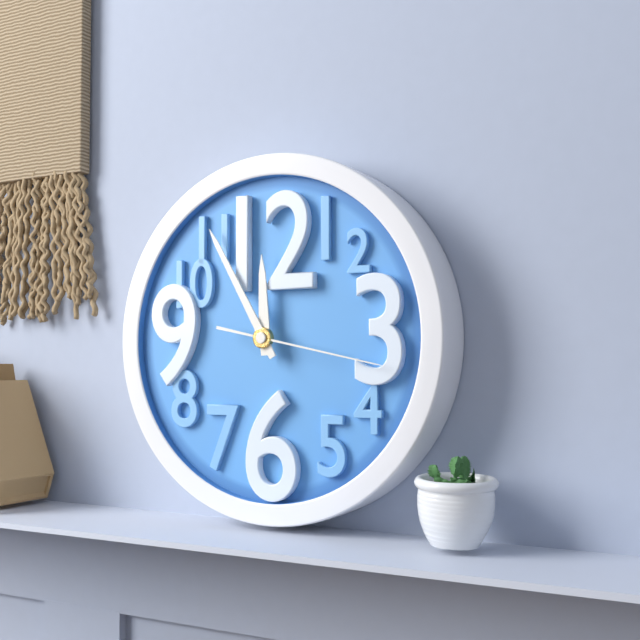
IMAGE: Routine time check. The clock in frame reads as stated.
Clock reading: 11:55:17
